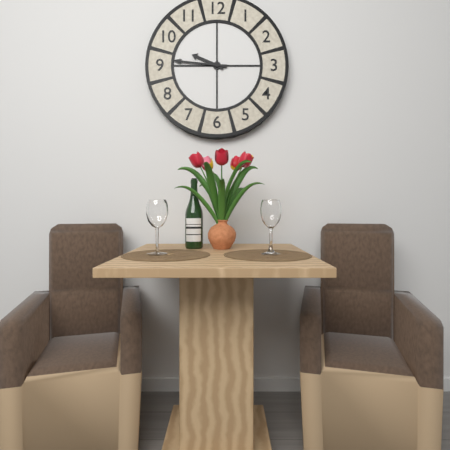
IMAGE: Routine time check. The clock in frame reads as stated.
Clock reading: 9:46
